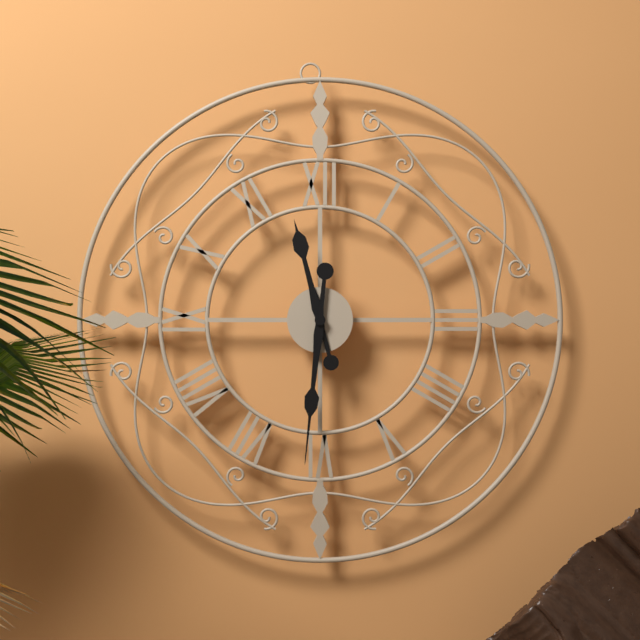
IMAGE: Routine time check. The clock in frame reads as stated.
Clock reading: 11:31
